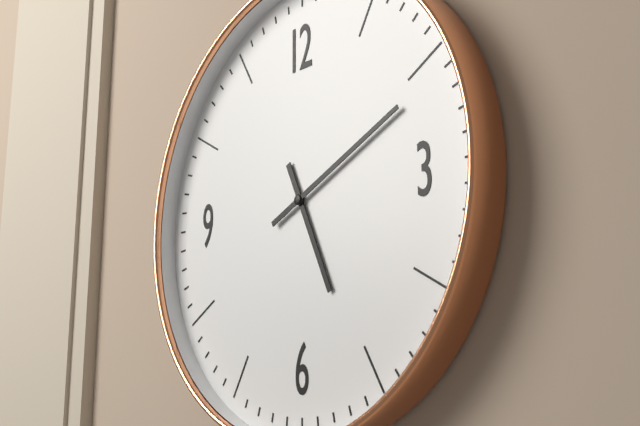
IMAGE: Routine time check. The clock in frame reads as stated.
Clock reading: 5:11
